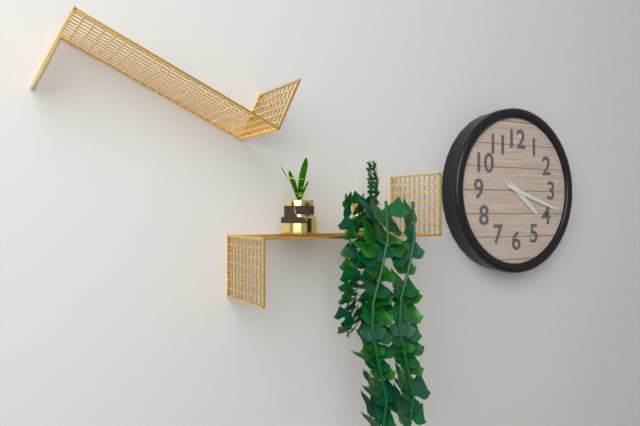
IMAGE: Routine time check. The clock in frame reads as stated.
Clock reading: 4:18
